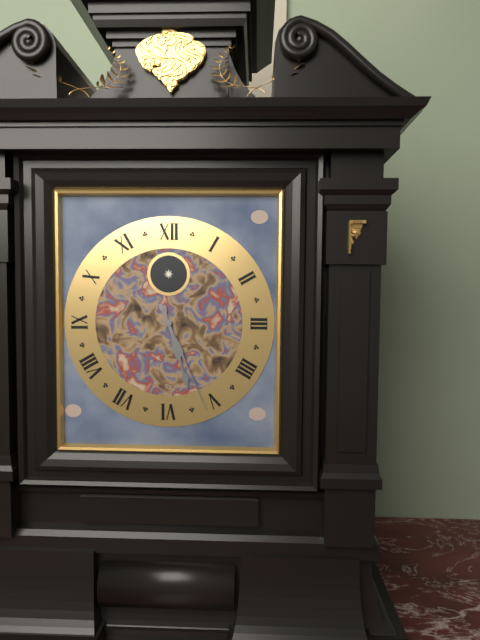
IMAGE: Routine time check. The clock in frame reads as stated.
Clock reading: 5:26
